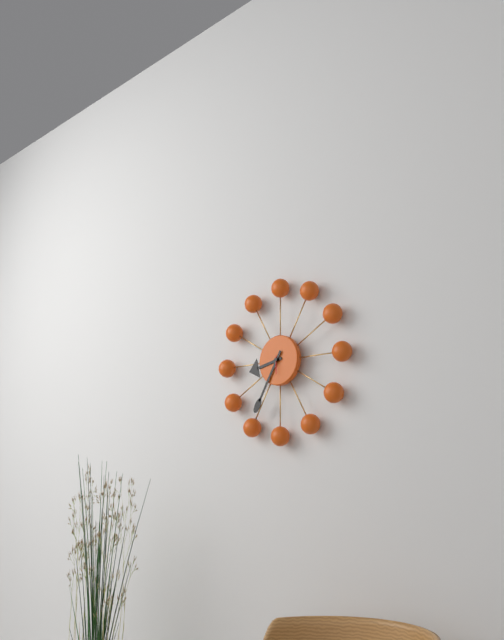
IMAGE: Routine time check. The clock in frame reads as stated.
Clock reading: 8:35
